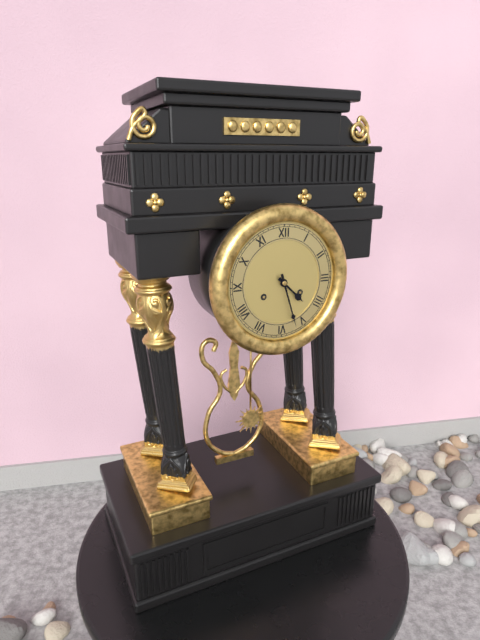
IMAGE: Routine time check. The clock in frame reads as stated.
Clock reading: 4:27
